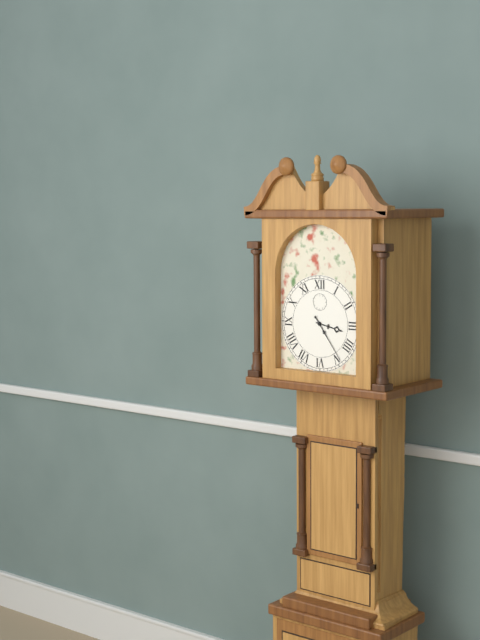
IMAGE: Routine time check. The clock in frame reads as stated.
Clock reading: 3:24
